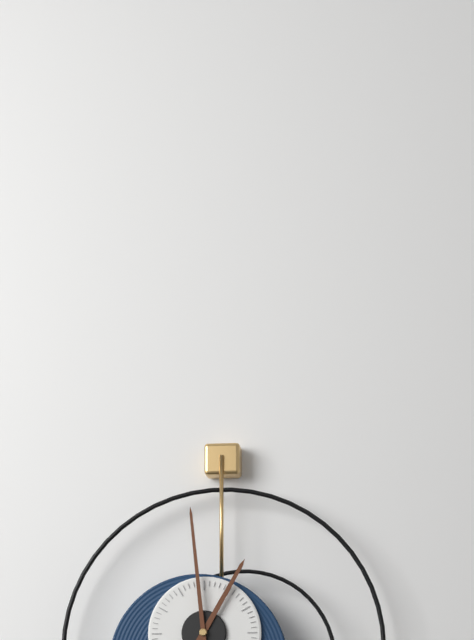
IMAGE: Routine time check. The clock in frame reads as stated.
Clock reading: 12:59
